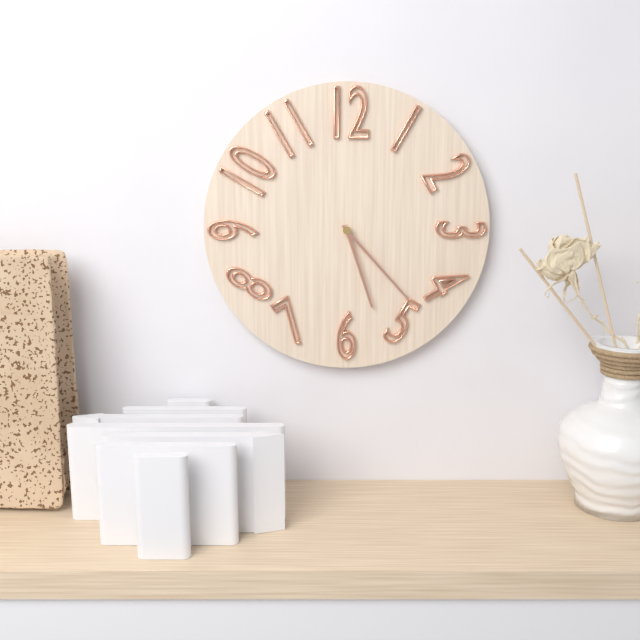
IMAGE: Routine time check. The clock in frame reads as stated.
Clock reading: 5:23
